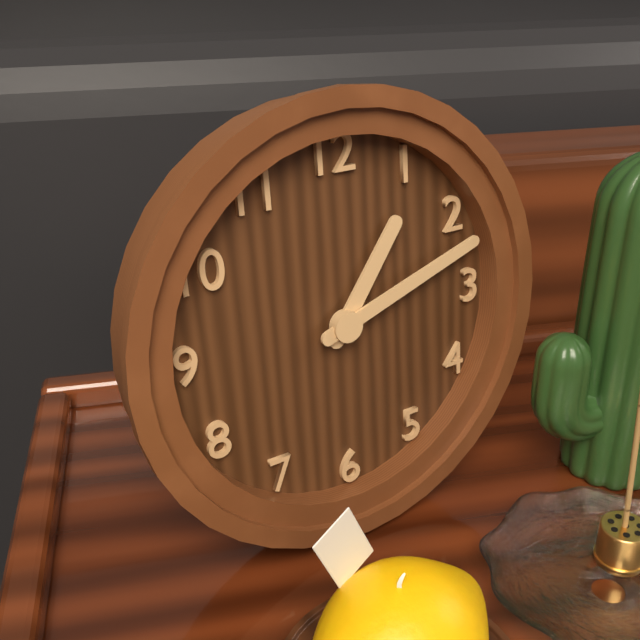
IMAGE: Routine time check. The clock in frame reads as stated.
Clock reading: 1:12
